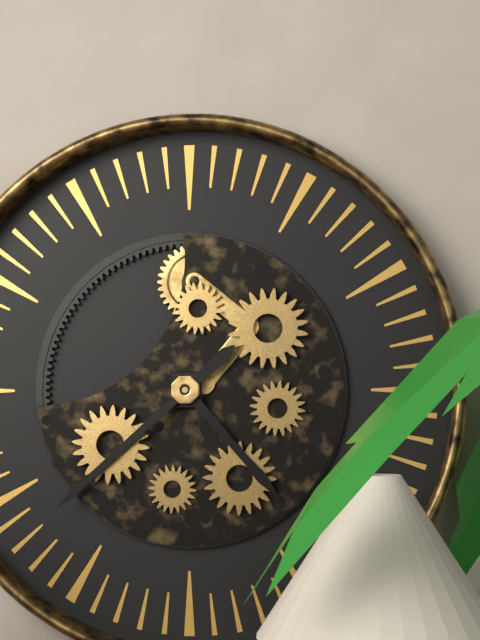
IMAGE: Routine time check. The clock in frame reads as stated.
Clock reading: 4:38
